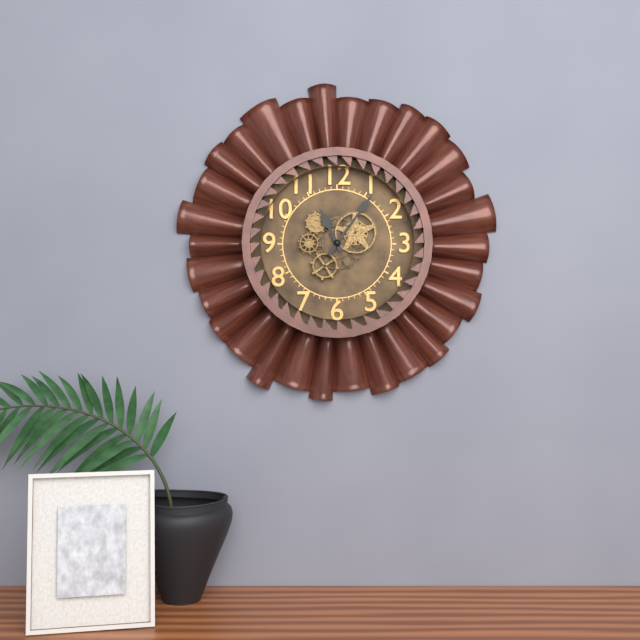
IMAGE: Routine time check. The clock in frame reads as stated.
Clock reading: 11:06
